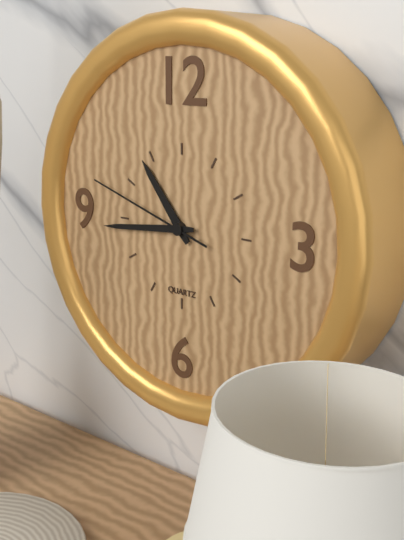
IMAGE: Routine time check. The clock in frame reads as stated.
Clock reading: 10:44:48
